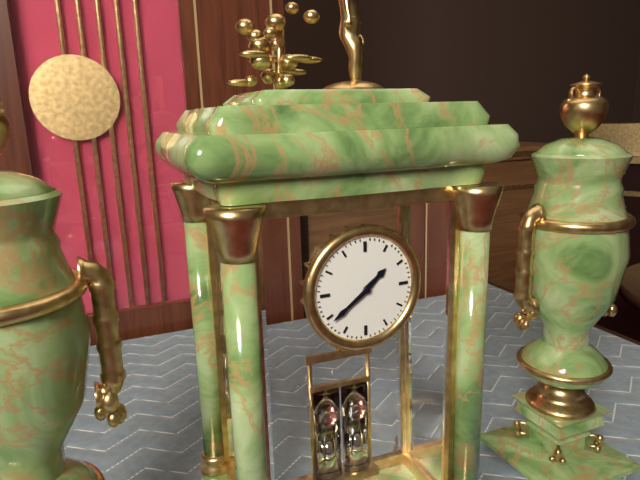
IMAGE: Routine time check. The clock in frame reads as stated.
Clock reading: 1:39
